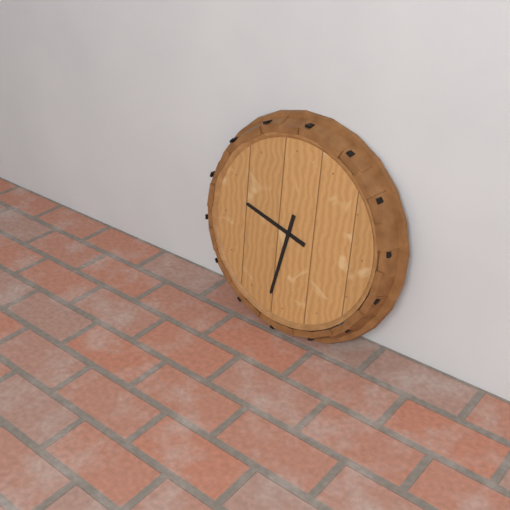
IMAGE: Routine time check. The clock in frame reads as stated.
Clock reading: 9:32
